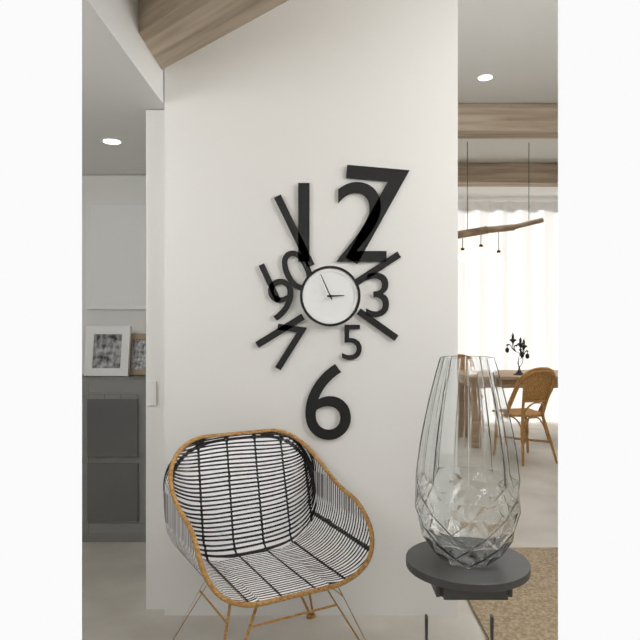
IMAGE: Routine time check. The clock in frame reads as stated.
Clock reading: 2:56
